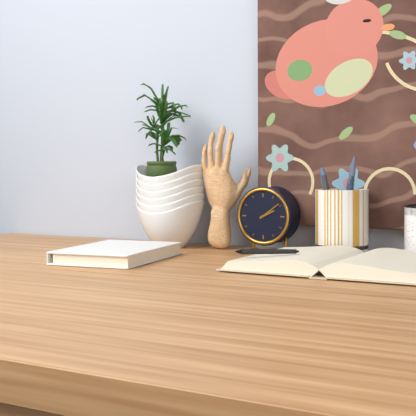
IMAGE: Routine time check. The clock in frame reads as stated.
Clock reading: 2:09
